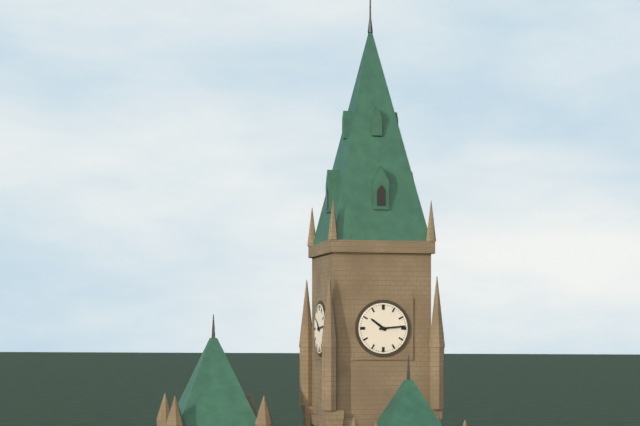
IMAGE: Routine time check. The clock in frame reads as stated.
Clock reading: 10:14
